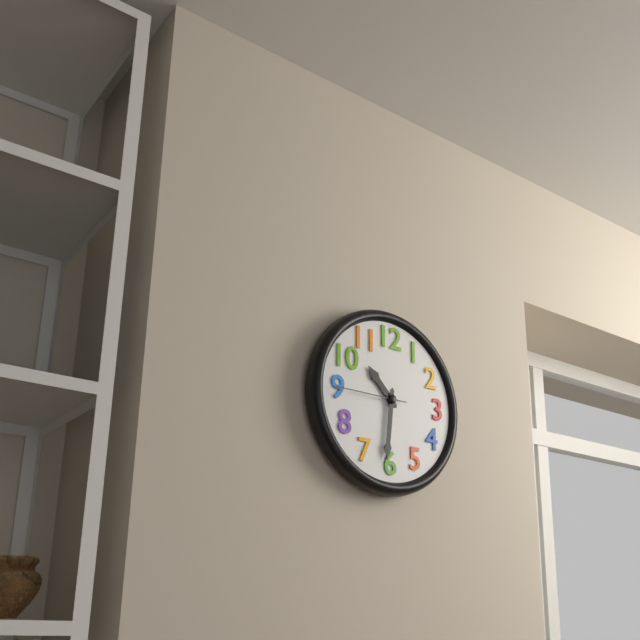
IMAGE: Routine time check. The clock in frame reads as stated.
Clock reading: 10:31:45
